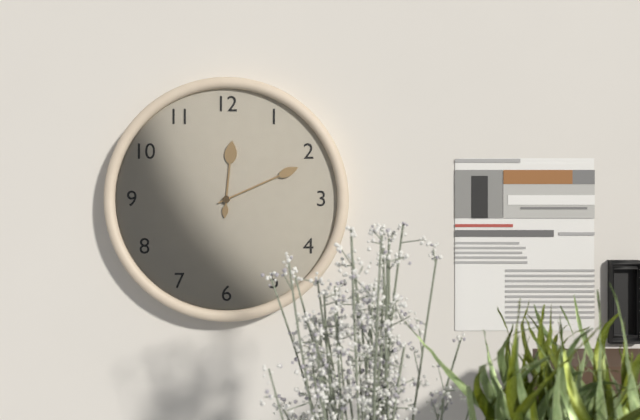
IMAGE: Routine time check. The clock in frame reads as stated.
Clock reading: 12:11
